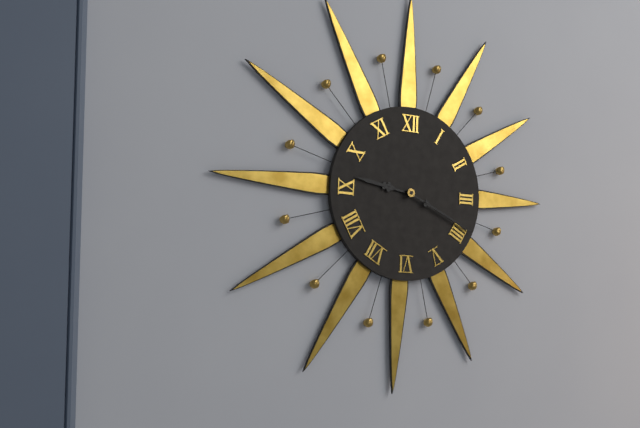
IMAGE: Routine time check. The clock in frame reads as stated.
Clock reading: 9:19
